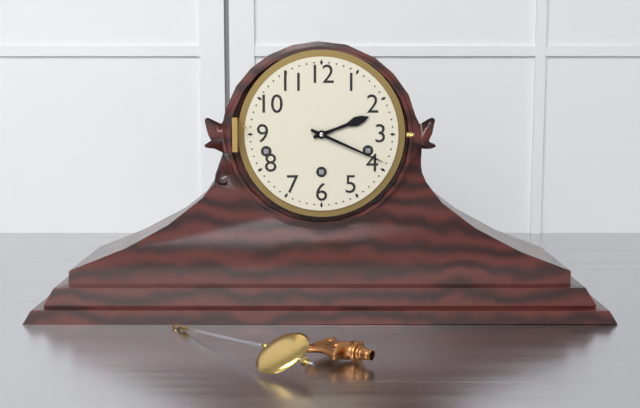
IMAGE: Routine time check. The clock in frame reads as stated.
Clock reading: 2:19
